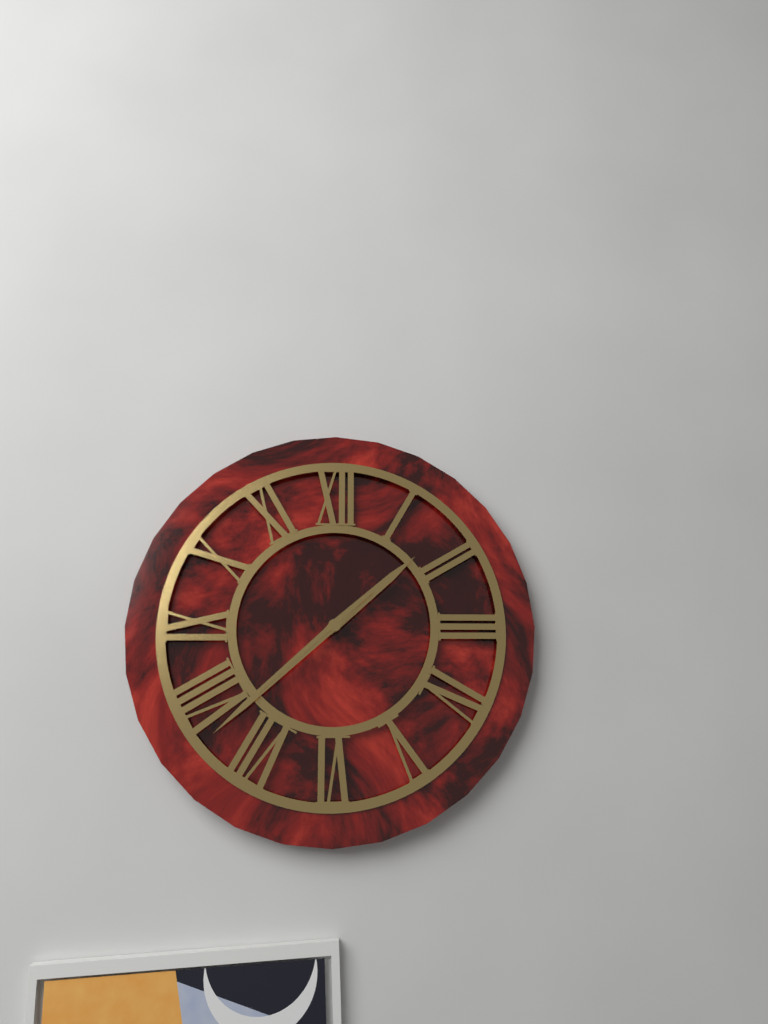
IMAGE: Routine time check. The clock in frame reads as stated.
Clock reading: 1:38:38
